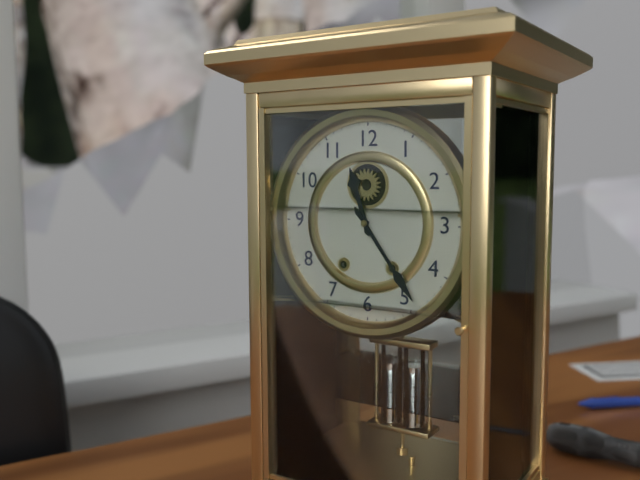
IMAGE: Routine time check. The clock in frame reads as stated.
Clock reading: 11:24
